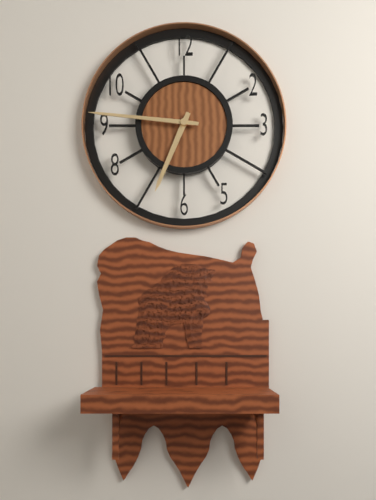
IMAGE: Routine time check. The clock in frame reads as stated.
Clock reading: 6:46
